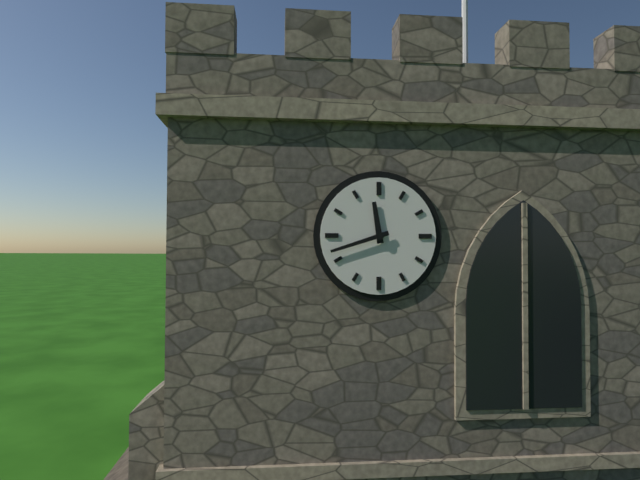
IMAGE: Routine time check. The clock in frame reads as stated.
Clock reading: 11:42
